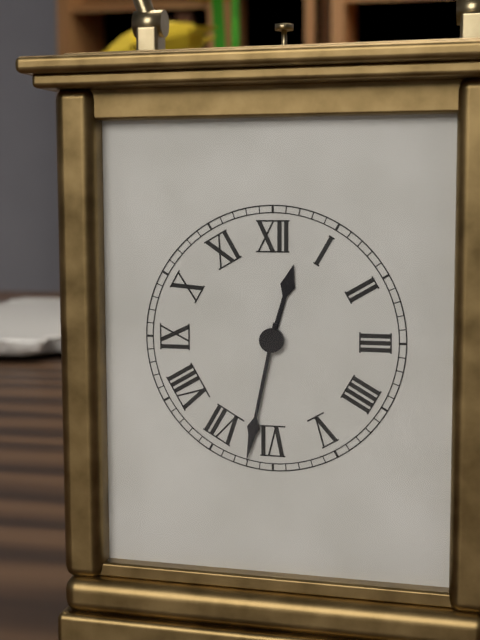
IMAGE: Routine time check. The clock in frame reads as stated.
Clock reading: 12:32
